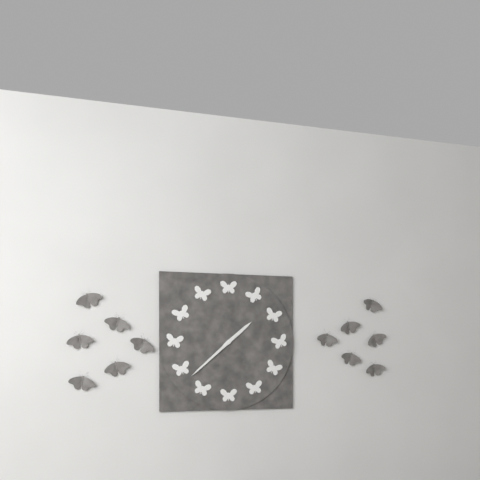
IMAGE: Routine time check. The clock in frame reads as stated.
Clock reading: 1:38
